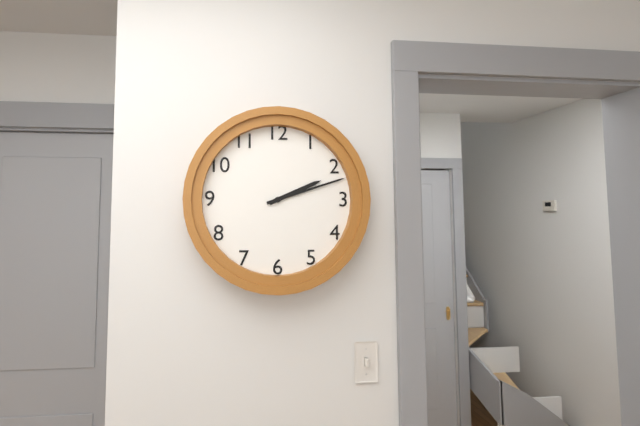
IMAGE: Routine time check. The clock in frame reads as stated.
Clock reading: 2:12
